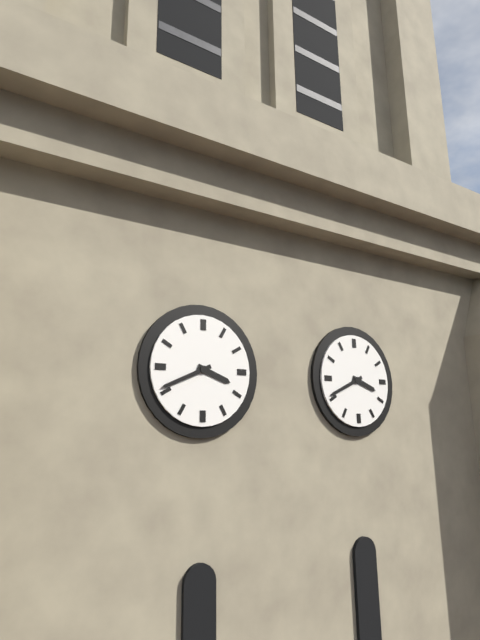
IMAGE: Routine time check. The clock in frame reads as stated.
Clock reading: 3:41
